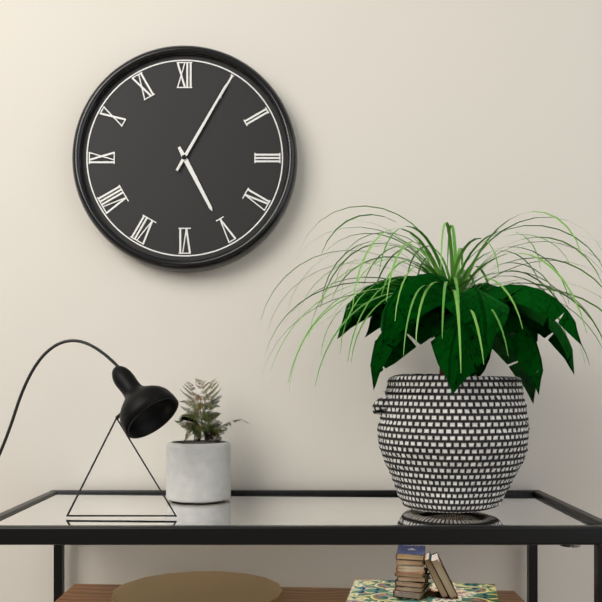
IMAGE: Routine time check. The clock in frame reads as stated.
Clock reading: 5:05
